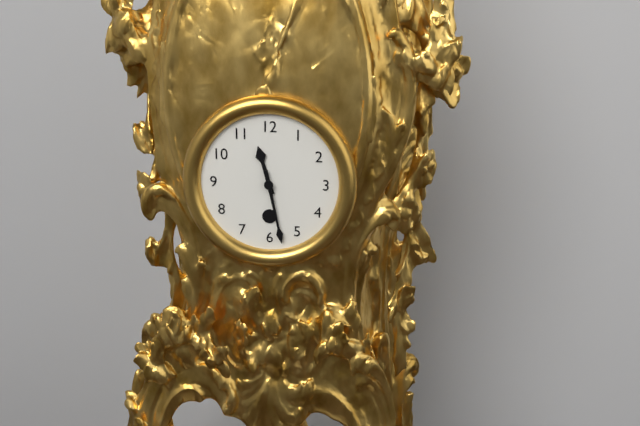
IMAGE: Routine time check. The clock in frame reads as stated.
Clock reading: 11:28
